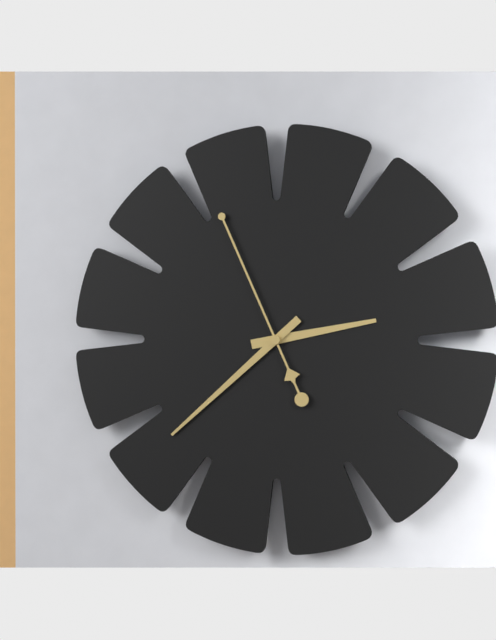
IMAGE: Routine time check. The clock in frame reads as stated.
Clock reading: 2:38:56
